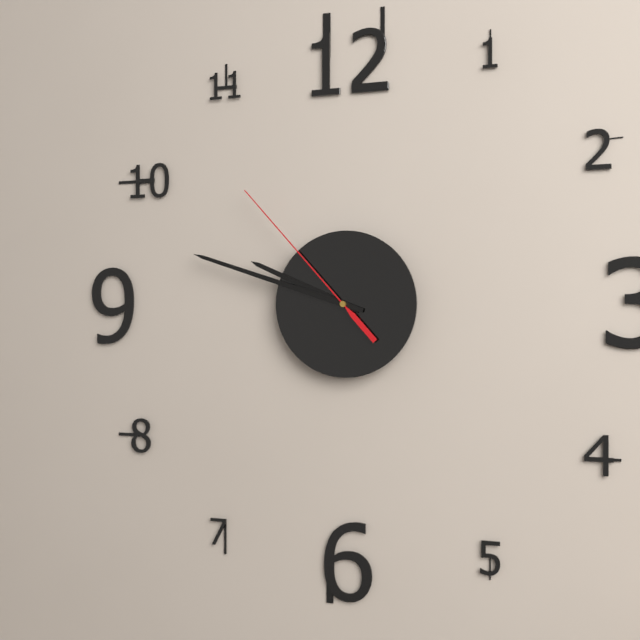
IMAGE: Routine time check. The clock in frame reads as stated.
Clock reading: 9:48:53
